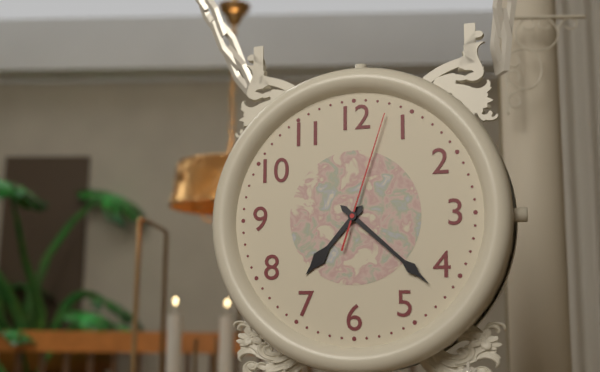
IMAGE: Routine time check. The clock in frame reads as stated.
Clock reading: 7:22:03
